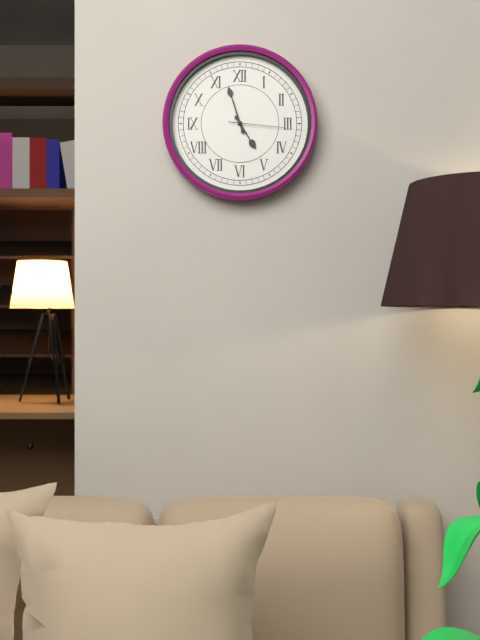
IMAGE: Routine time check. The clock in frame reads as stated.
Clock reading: 4:57:16
